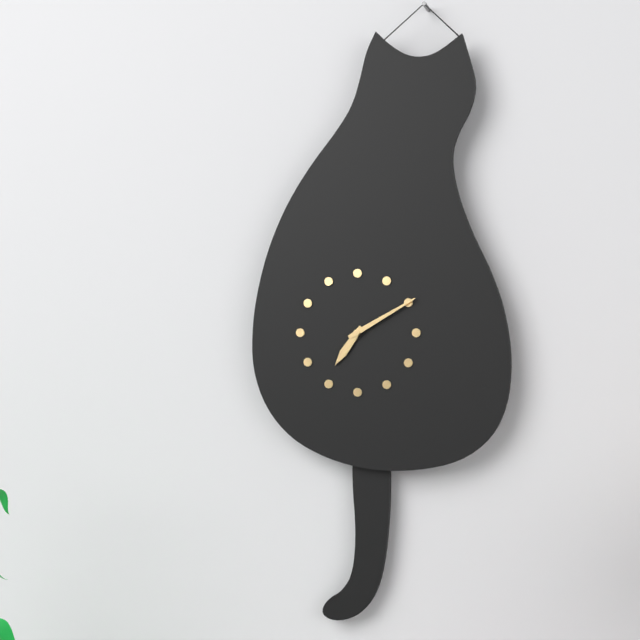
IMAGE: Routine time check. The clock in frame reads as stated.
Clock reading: 7:10
